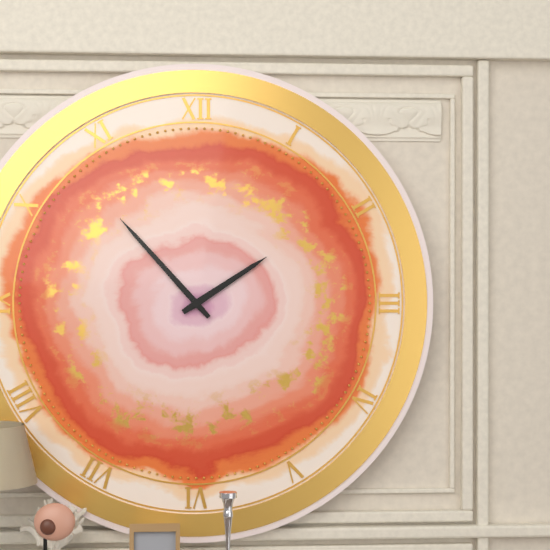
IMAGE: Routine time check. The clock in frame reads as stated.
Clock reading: 1:53
